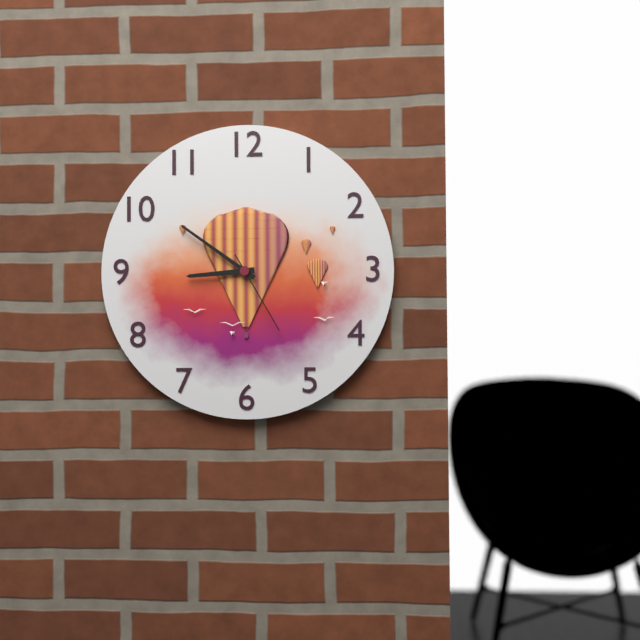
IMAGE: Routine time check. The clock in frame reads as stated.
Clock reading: 8:51:25
